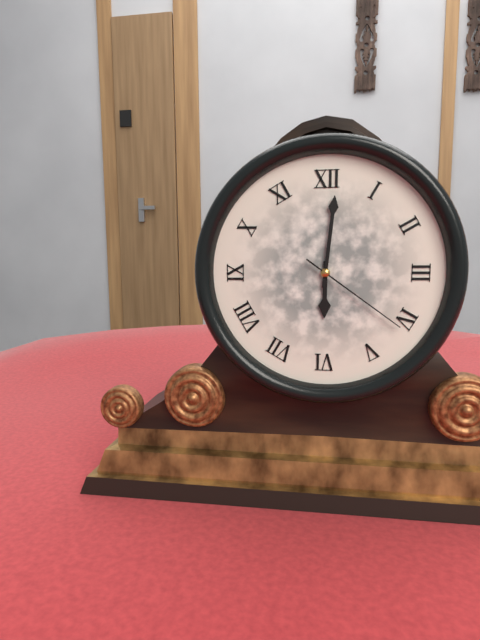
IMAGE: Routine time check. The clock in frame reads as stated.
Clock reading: 6:01:21
